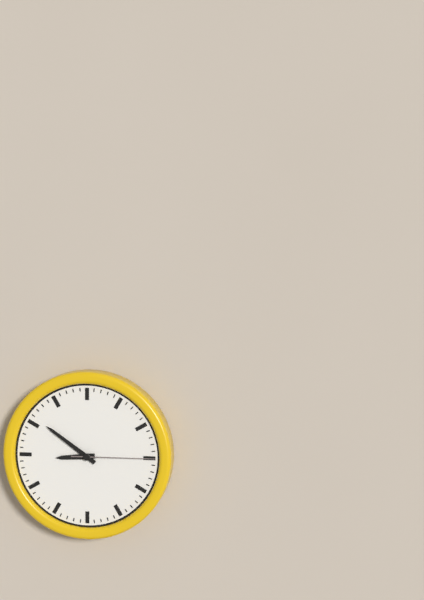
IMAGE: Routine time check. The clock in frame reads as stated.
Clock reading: 8:51:15
